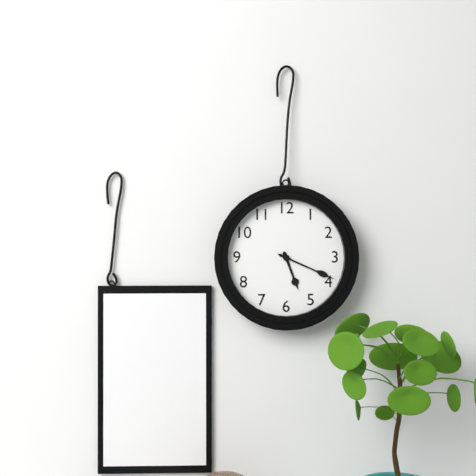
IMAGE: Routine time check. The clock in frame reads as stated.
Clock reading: 5:19
